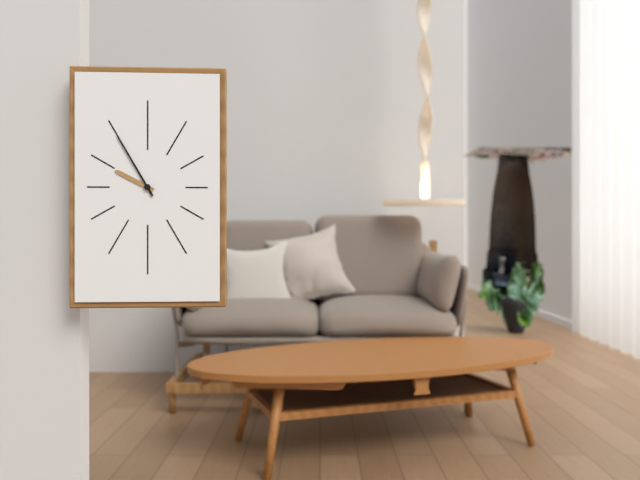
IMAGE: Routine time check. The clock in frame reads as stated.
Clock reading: 9:55
